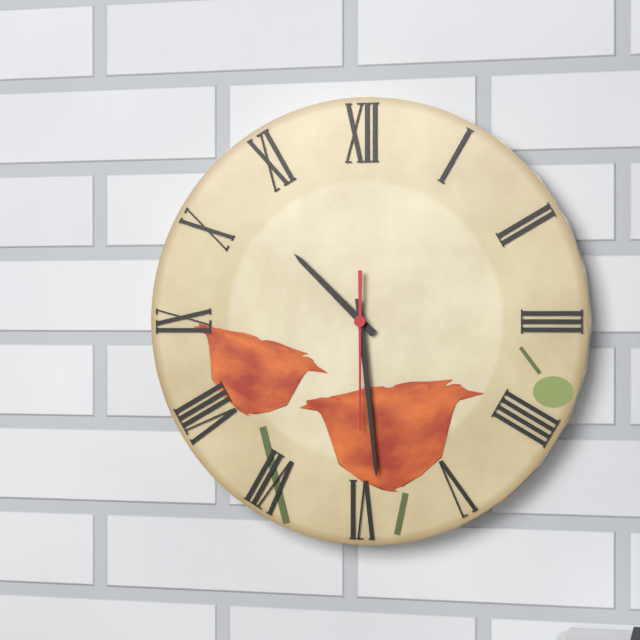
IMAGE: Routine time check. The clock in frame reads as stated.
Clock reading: 10:29:30
